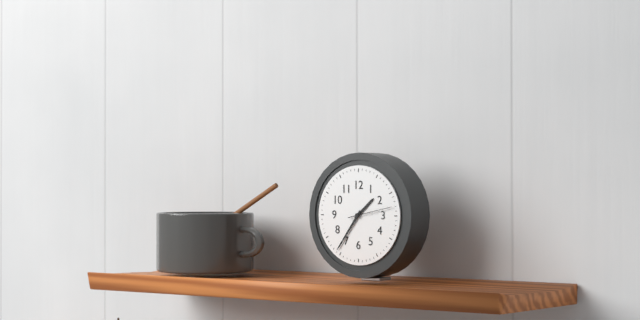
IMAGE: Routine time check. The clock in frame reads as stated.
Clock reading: 1:36
